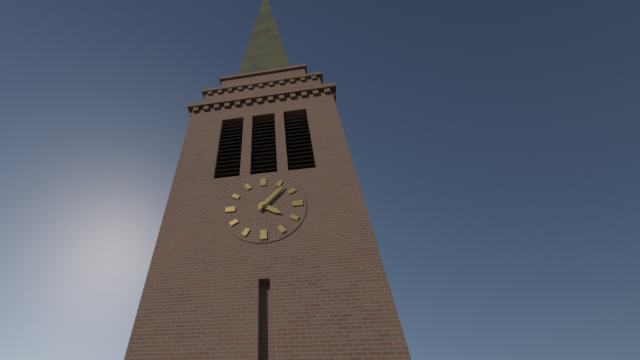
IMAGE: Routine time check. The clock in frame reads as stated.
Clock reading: 4:07
